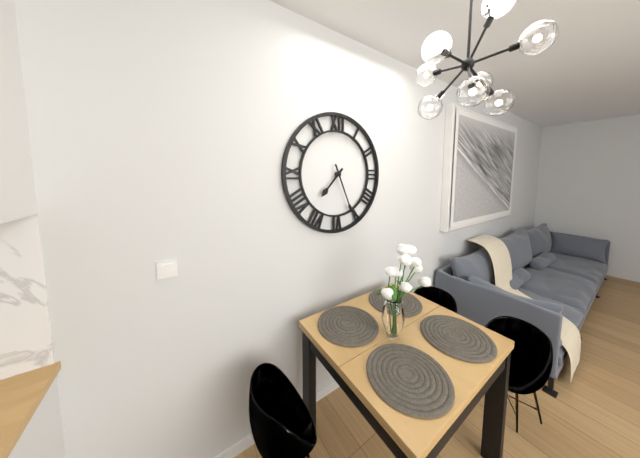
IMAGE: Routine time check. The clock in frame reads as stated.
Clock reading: 7:26
